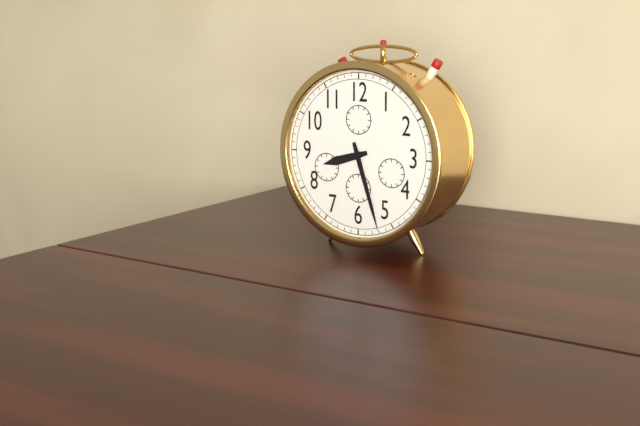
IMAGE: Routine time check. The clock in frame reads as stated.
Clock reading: 8:27
